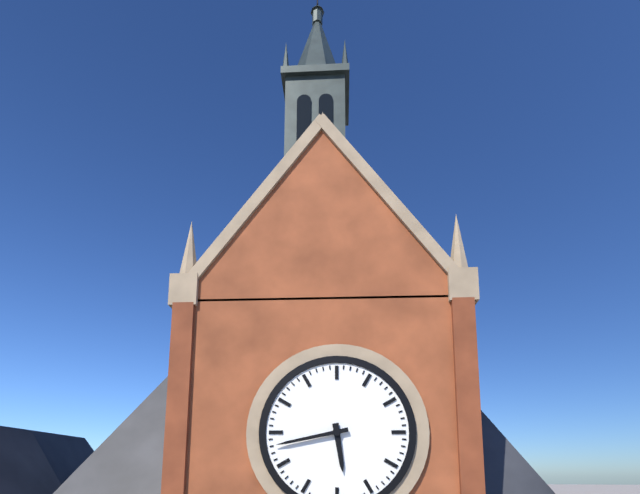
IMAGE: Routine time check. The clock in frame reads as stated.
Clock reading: 5:43
